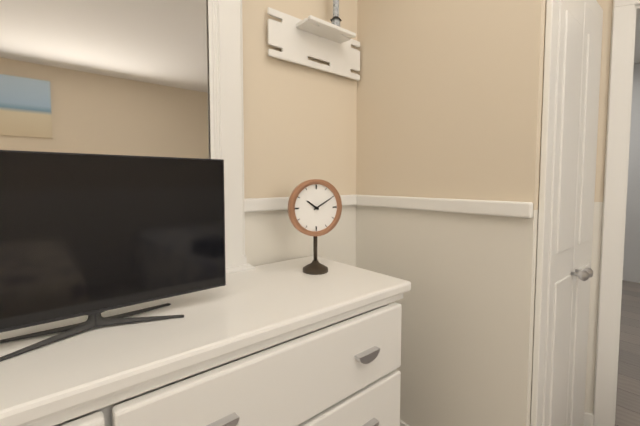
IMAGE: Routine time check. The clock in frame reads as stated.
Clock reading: 10:10
